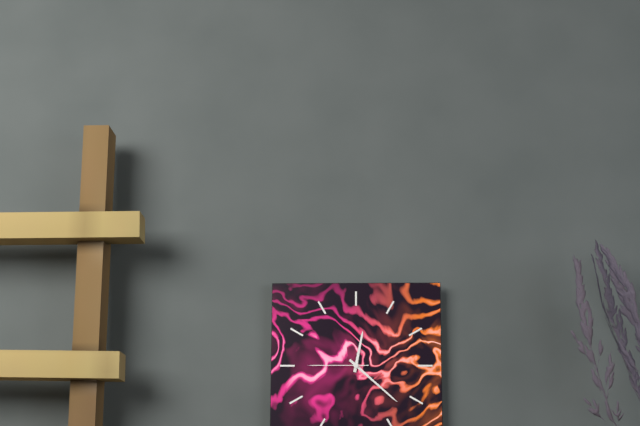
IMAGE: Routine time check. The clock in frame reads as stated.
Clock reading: 12:22:45
